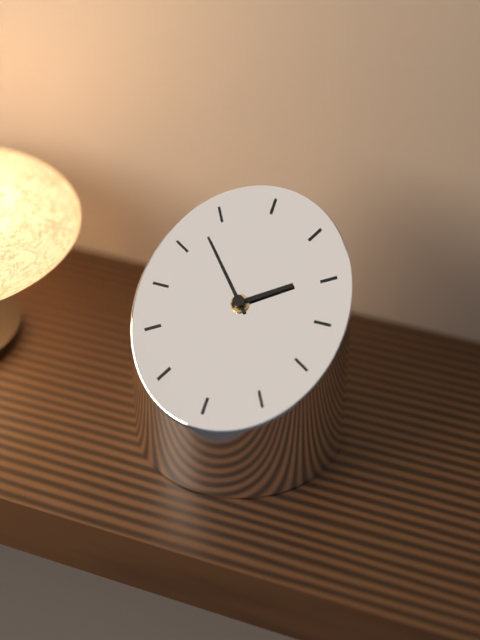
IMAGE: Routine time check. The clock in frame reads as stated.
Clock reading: 1:53
